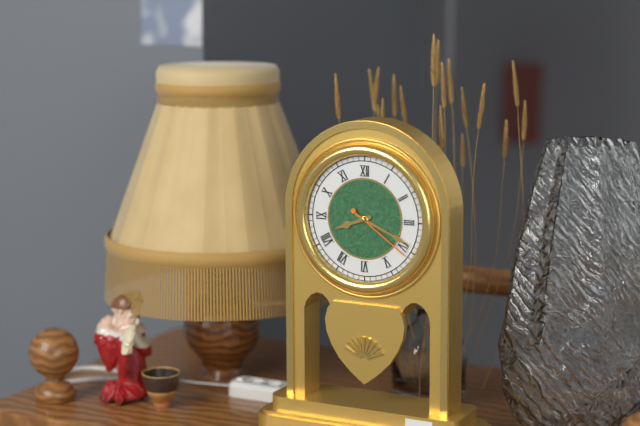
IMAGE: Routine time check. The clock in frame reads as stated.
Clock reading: 8:19:21
